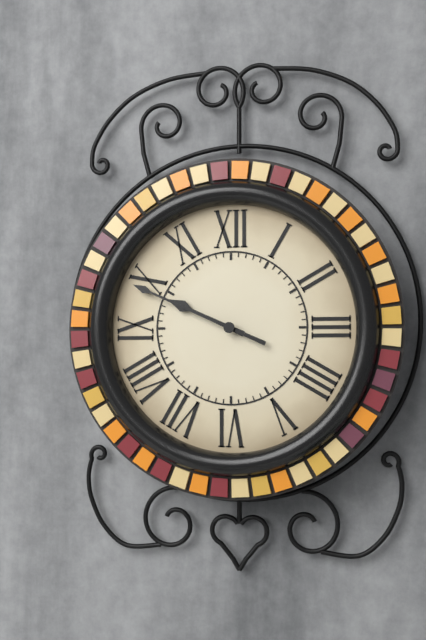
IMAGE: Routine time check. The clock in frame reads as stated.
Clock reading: 9:49
